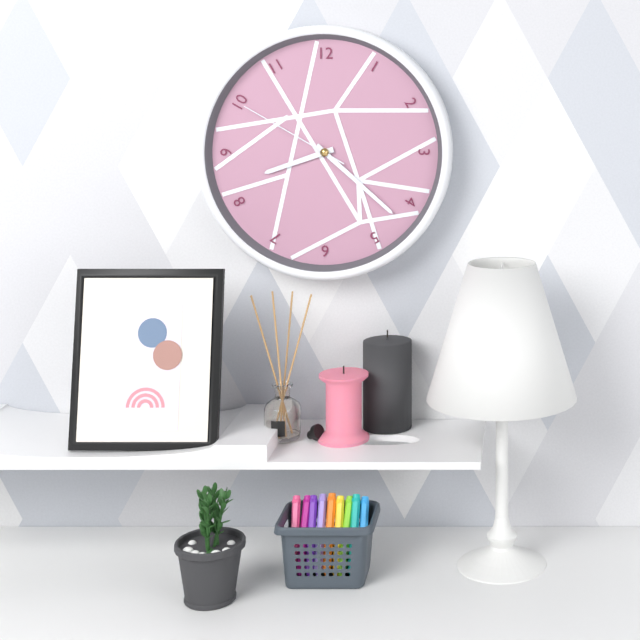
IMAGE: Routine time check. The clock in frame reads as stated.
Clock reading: 8:22:50
